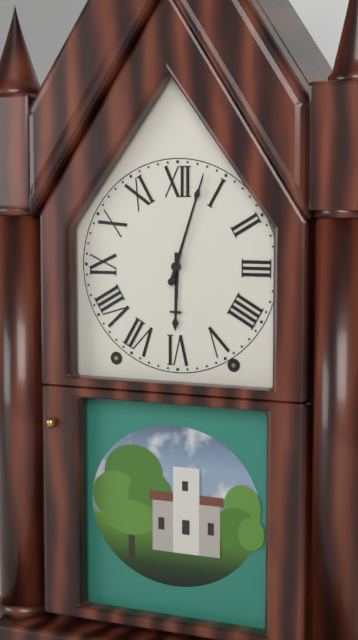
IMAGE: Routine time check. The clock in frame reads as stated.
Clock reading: 6:03
